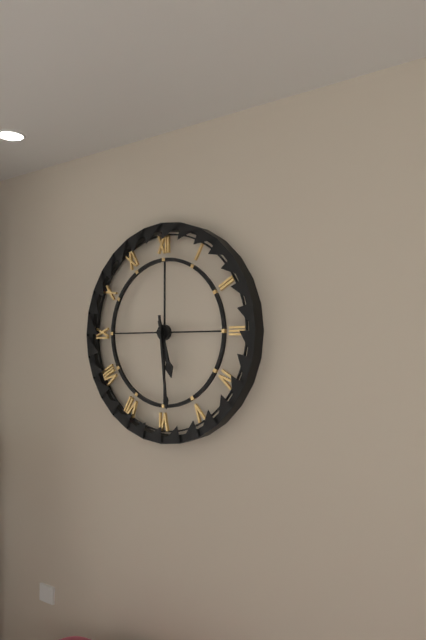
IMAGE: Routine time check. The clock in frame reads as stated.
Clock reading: 5:29
